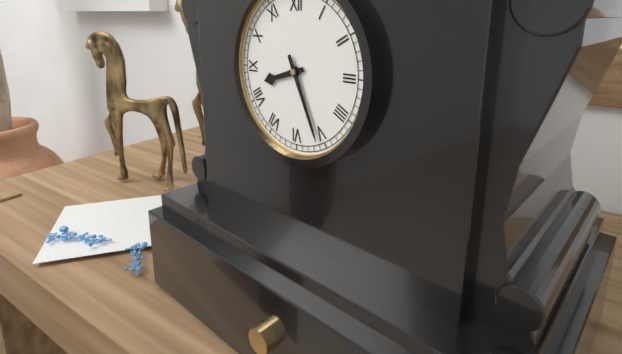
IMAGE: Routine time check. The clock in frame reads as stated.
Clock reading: 8:26
